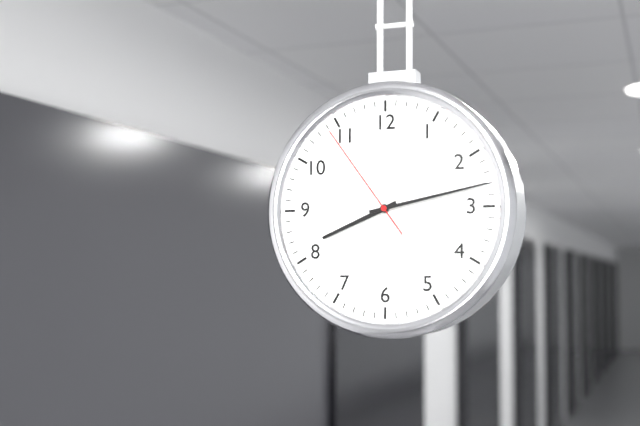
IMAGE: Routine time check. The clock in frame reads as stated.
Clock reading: 8:13:54
